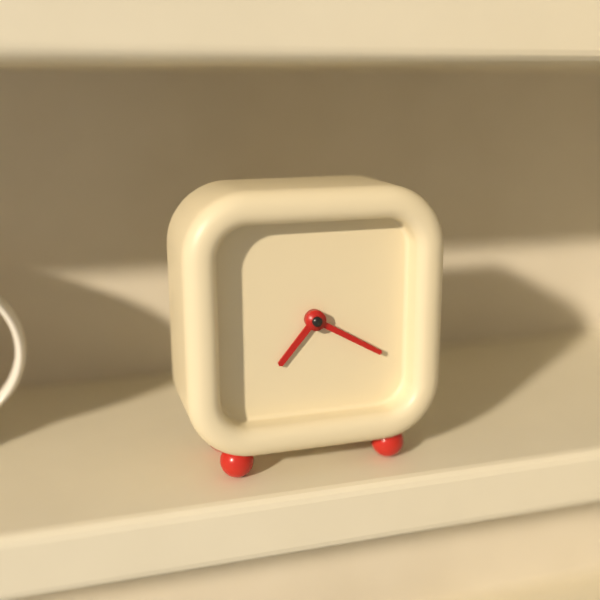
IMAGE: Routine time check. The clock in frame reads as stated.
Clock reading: 7:20
